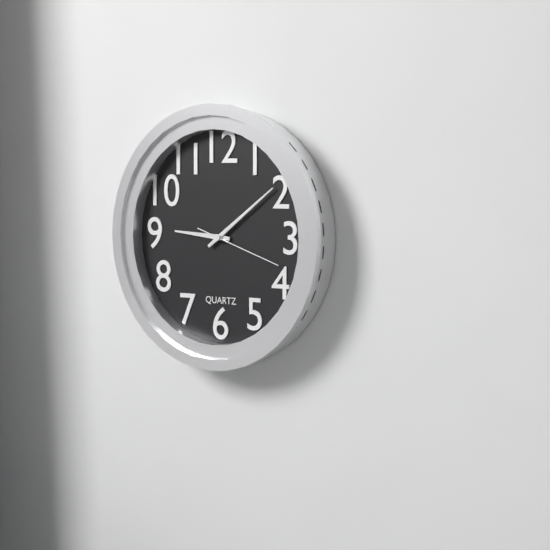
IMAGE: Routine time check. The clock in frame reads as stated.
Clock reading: 9:09:18
